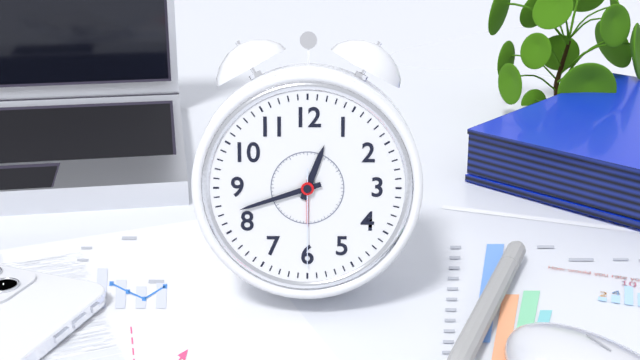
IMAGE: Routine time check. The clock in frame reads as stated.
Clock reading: 12:42:30
